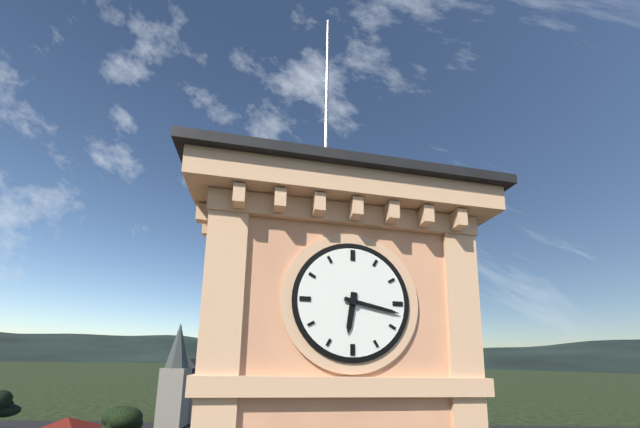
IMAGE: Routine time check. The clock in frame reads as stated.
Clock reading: 6:17
